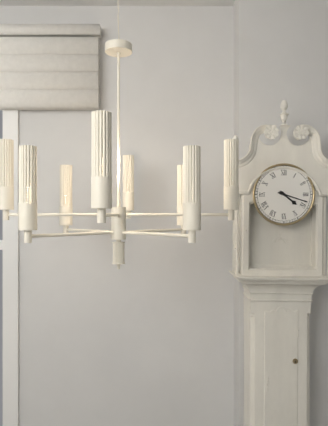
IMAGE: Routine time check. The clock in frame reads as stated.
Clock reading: 4:18
